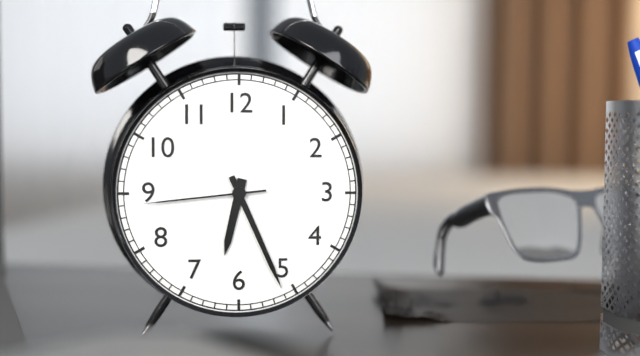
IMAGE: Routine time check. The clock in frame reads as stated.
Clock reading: 6:26:44
